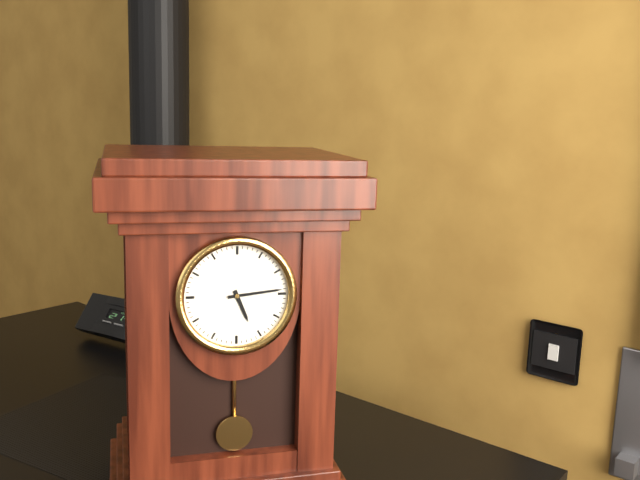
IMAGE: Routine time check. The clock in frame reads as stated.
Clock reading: 5:14
